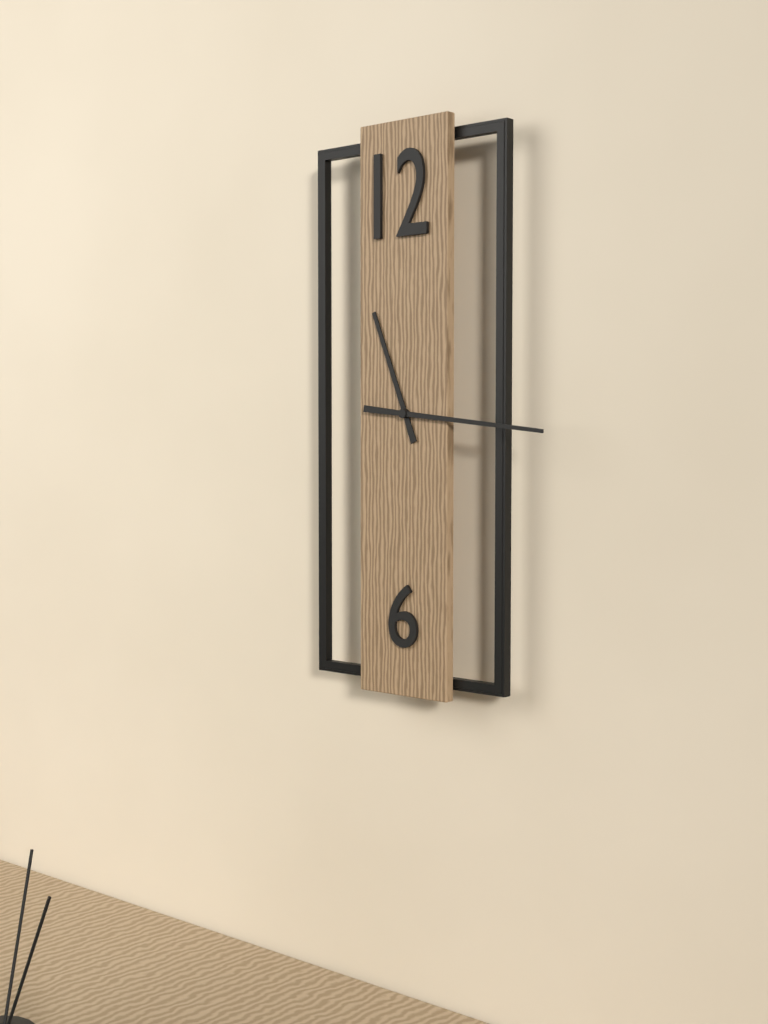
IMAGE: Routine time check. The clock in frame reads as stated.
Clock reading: 11:16
